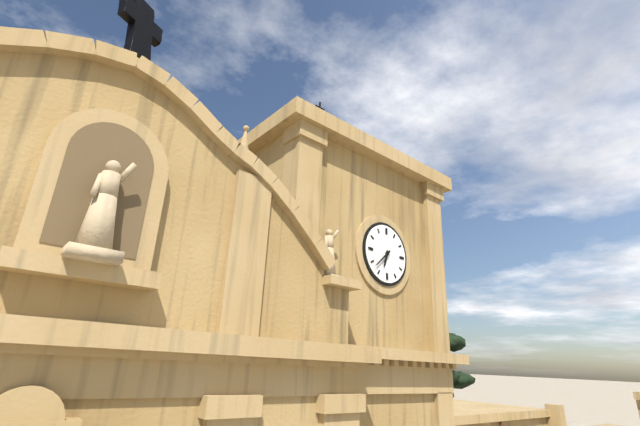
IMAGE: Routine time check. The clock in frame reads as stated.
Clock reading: 6:38
